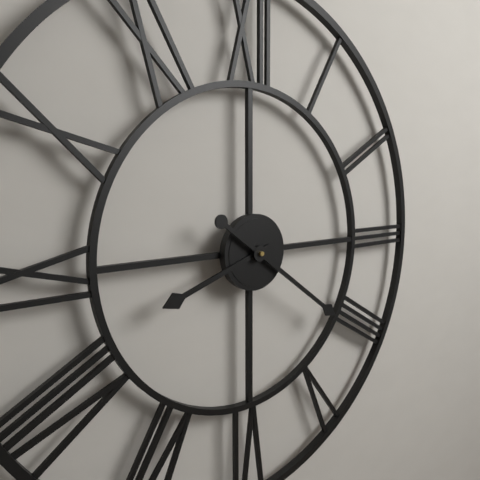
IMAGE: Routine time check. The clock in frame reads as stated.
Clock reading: 8:21
